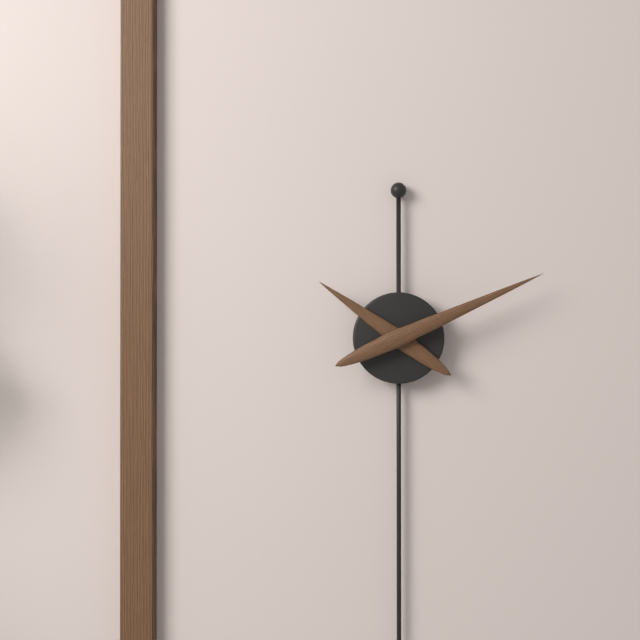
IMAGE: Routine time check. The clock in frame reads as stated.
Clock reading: 10:11
